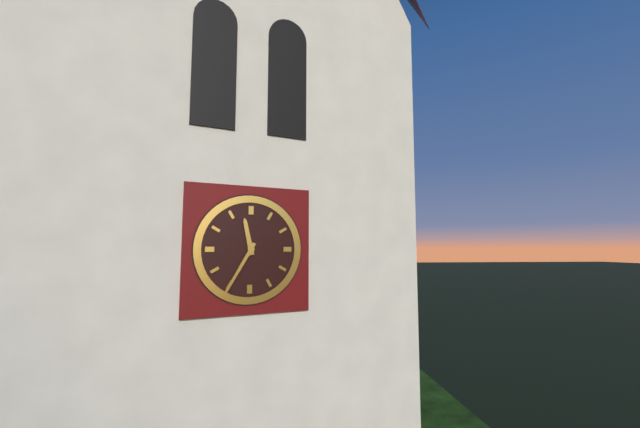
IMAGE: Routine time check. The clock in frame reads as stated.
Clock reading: 11:35
